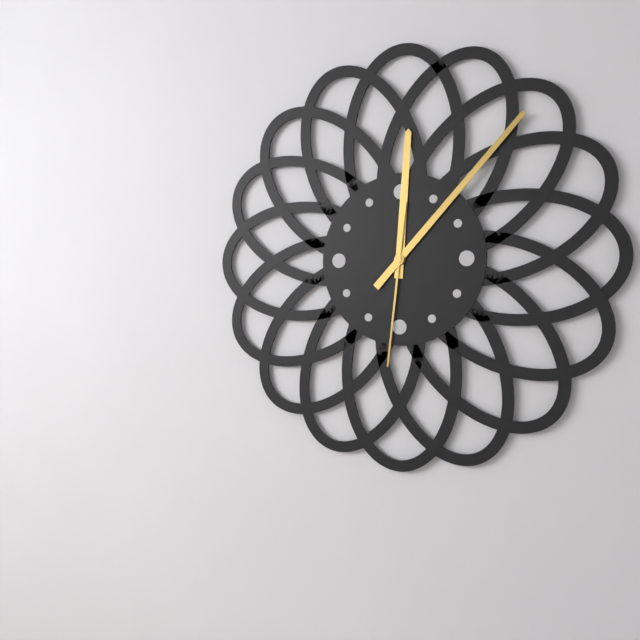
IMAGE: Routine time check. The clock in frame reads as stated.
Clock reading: 12:07:31
